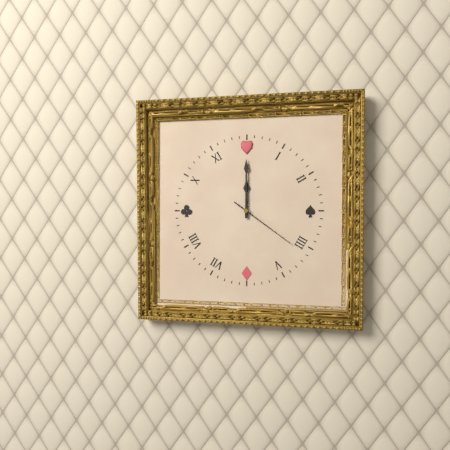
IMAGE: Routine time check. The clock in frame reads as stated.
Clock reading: 12:00:21
